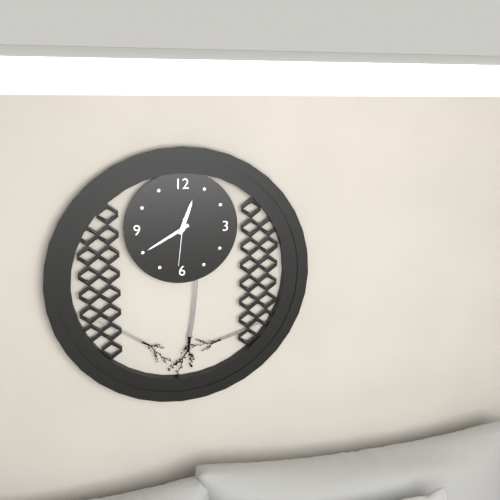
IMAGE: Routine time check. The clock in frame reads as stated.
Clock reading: 12:40:31
